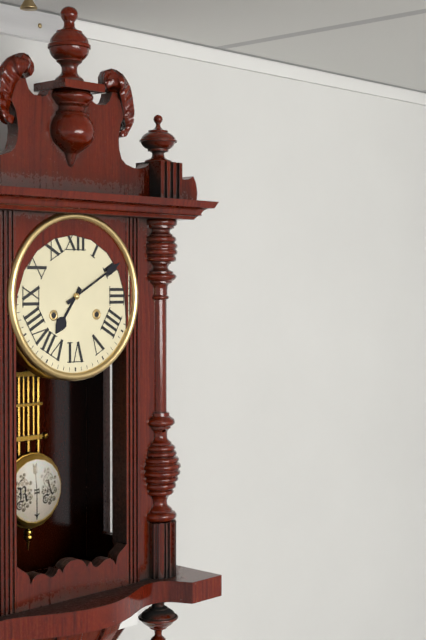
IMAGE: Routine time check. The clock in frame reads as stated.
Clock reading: 7:10
